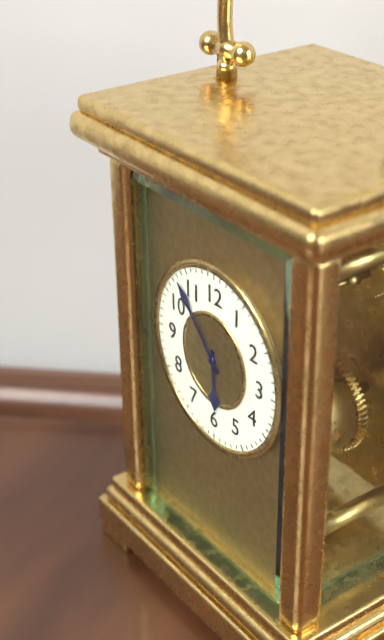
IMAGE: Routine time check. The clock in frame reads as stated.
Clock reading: 5:53
